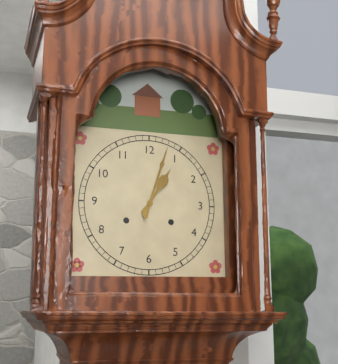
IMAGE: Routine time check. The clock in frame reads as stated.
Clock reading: 1:03
